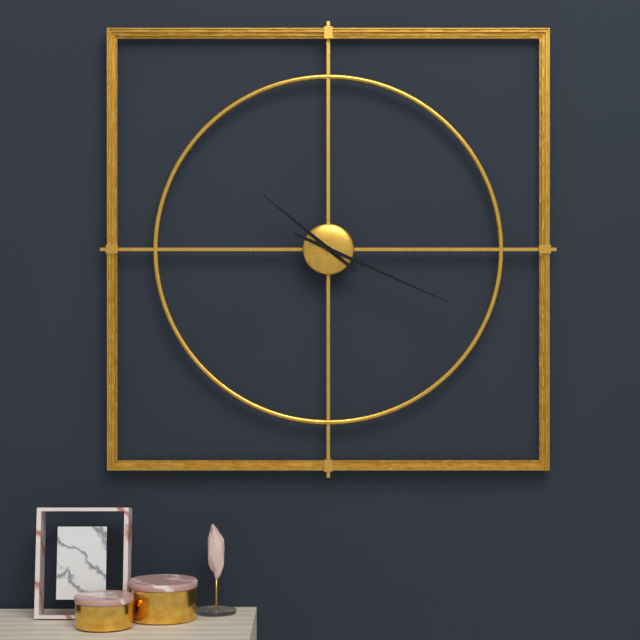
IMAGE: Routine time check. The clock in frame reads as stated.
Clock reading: 10:19
